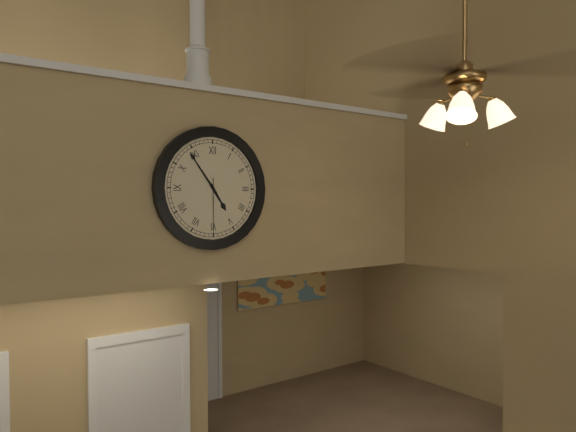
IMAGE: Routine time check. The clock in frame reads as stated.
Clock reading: 4:54:30
